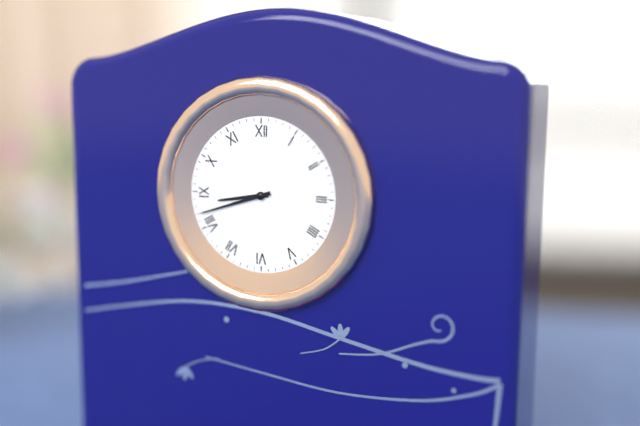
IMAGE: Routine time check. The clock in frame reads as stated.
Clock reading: 8:42
